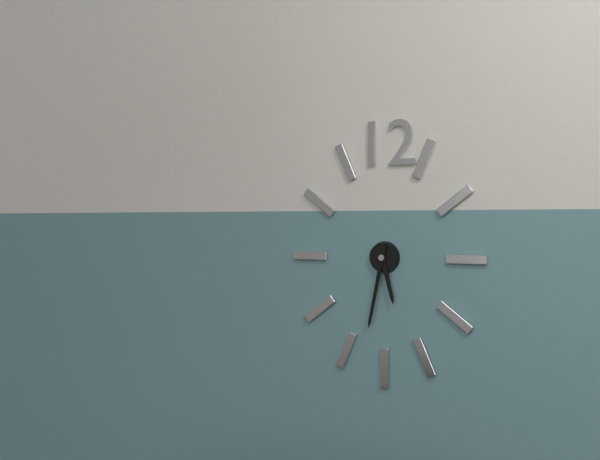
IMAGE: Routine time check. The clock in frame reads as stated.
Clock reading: 5:32
